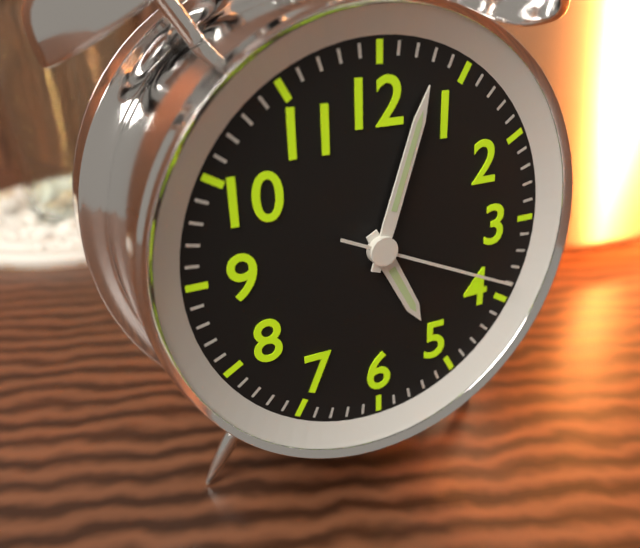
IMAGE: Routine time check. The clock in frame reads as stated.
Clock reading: 5:03:19
